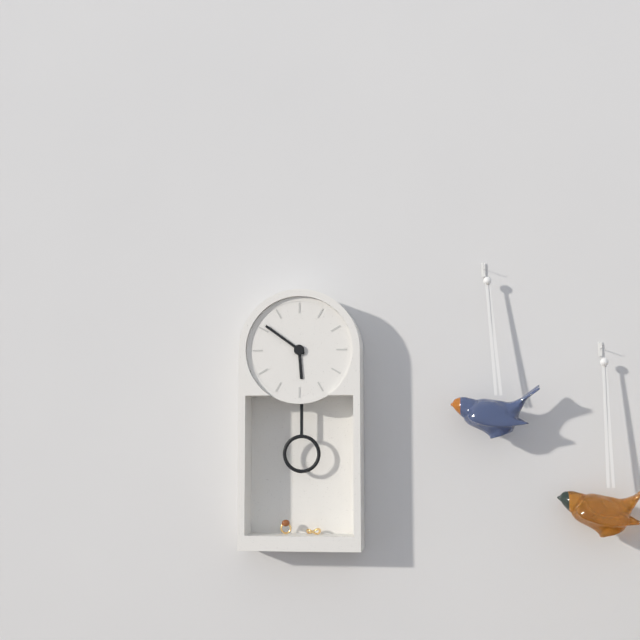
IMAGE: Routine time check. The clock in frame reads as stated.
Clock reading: 5:51
